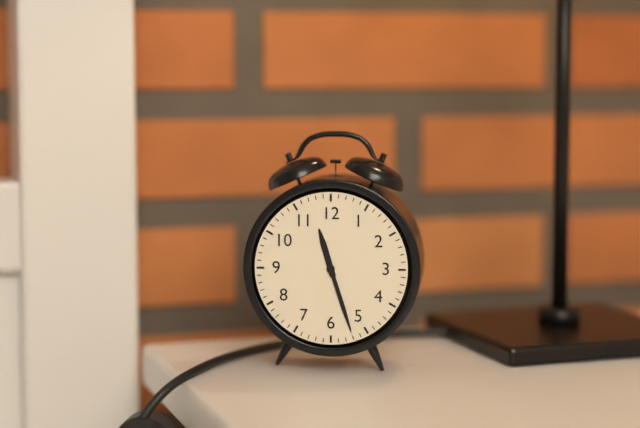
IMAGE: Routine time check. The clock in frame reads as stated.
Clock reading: 11:27
